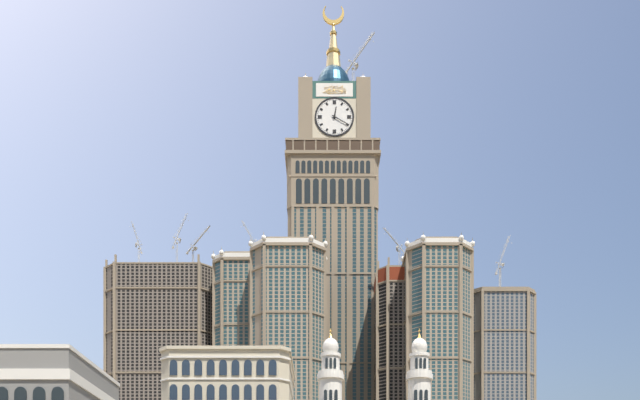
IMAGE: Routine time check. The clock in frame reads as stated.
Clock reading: 12:20
